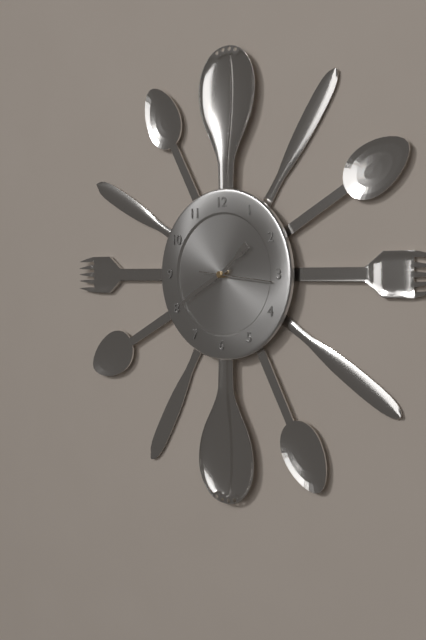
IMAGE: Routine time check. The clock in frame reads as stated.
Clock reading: 1:40:16
